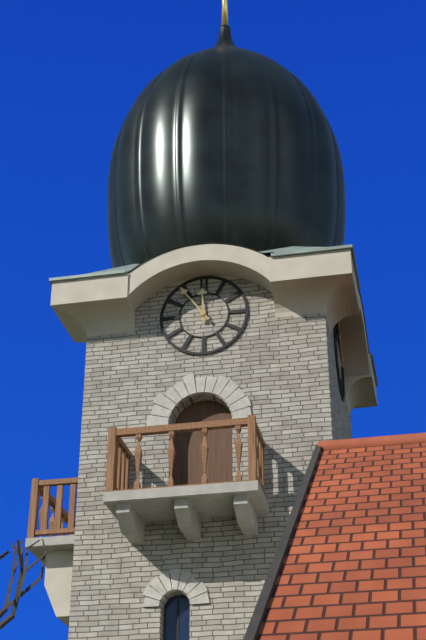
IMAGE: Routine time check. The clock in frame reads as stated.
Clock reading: 11:54
